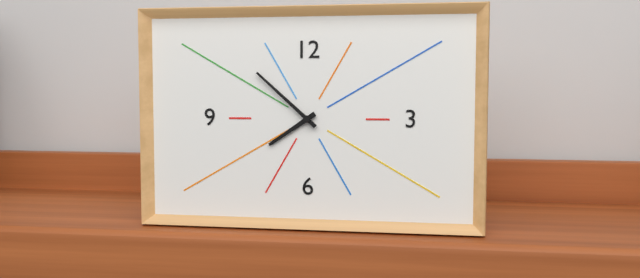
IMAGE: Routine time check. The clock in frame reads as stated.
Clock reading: 7:52
